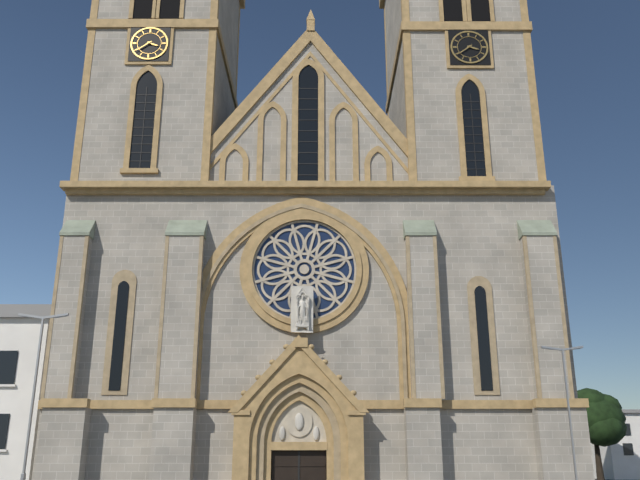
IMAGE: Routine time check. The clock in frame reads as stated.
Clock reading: 3:39
